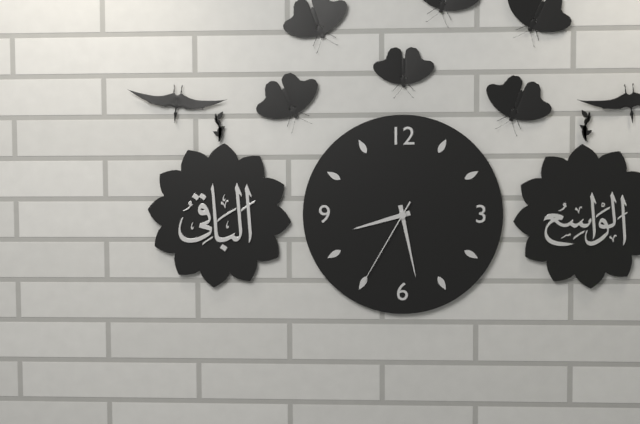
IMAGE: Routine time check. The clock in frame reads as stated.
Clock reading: 8:28:35
